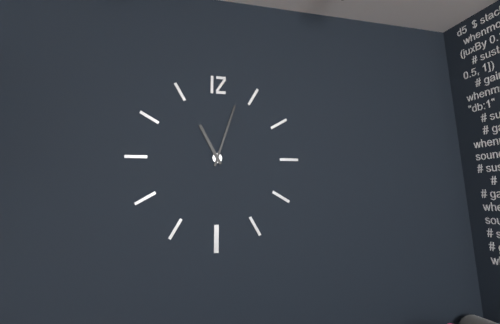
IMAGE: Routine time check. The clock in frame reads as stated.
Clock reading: 11:03
